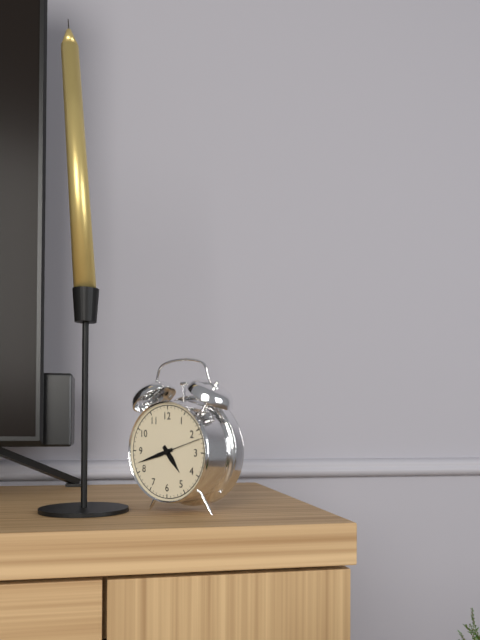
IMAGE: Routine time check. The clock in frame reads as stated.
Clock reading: 4:42
